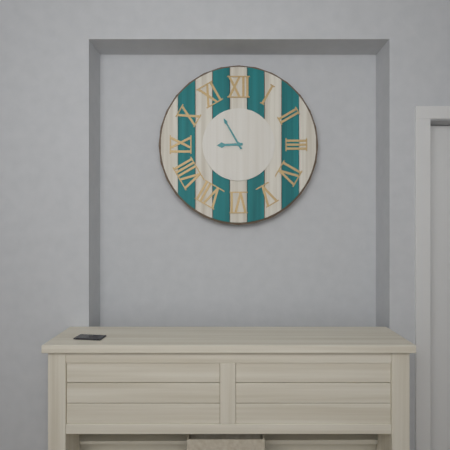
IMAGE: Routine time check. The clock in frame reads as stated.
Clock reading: 8:55
